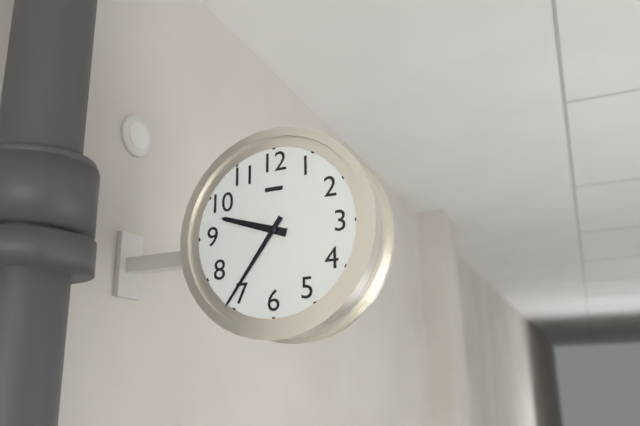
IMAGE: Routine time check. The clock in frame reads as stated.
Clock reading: 9:36
